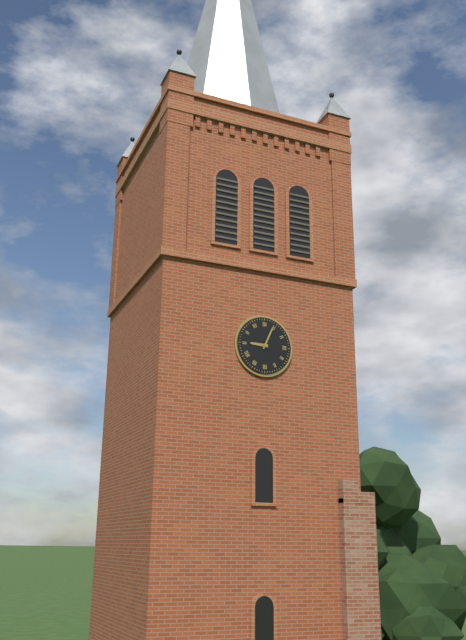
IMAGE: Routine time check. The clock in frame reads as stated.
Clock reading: 9:04
